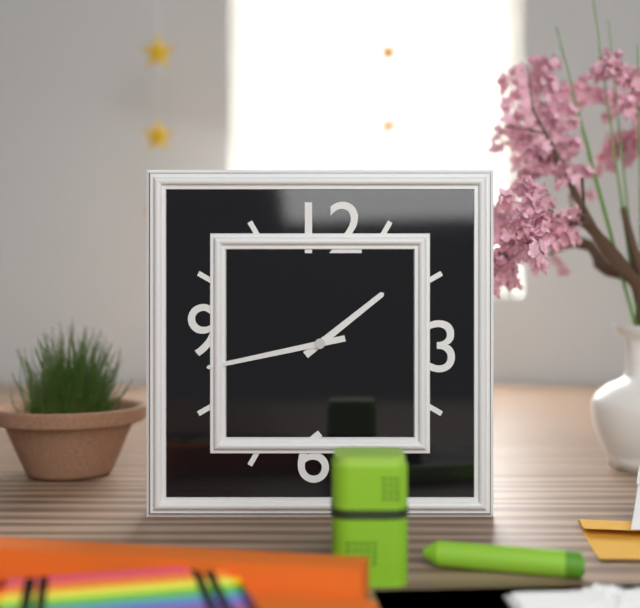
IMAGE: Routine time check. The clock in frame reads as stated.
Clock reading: 1:43
